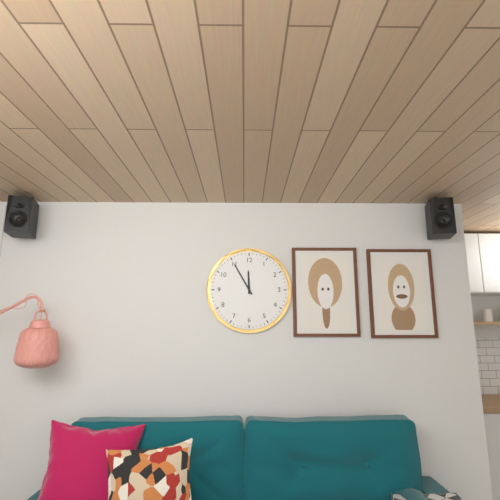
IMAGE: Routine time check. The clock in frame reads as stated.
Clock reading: 11:55
